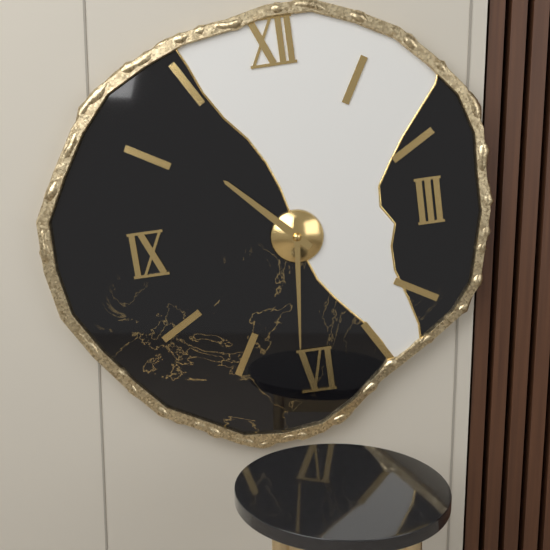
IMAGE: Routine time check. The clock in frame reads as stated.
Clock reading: 10:31
